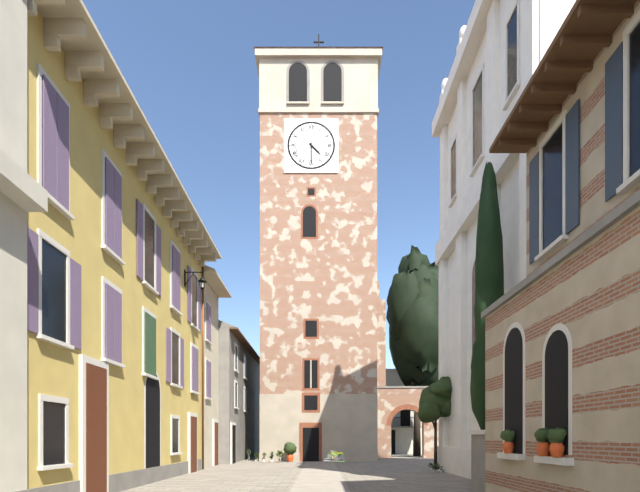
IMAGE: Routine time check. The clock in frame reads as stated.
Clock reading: 4:30
